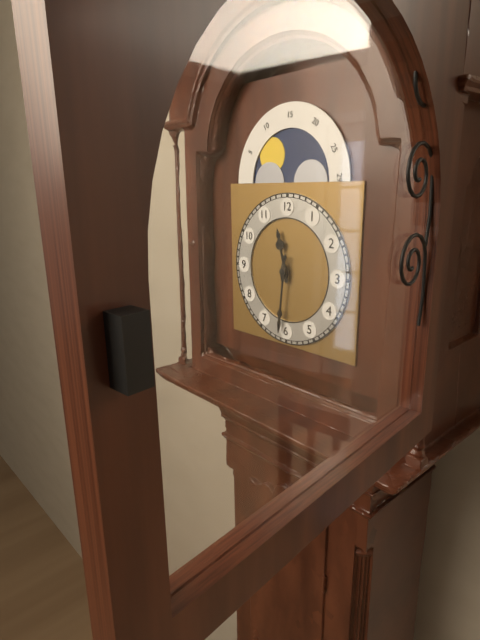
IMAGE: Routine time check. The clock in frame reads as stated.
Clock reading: 11:31
